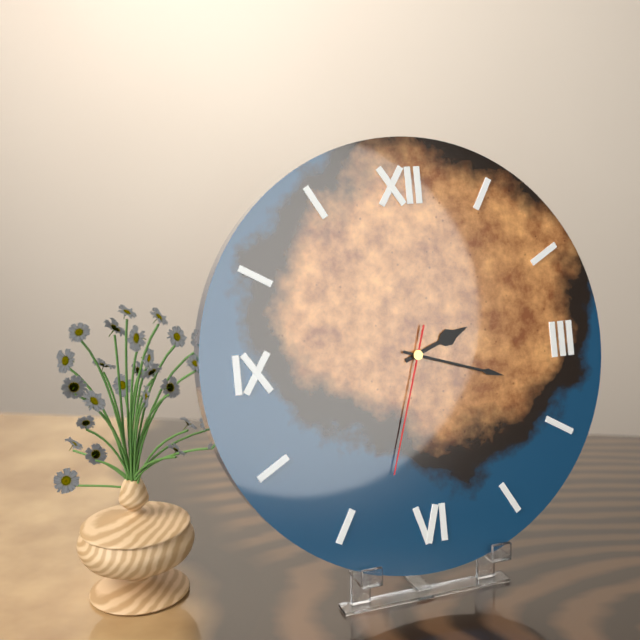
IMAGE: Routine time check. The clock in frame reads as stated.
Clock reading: 2:18:33
